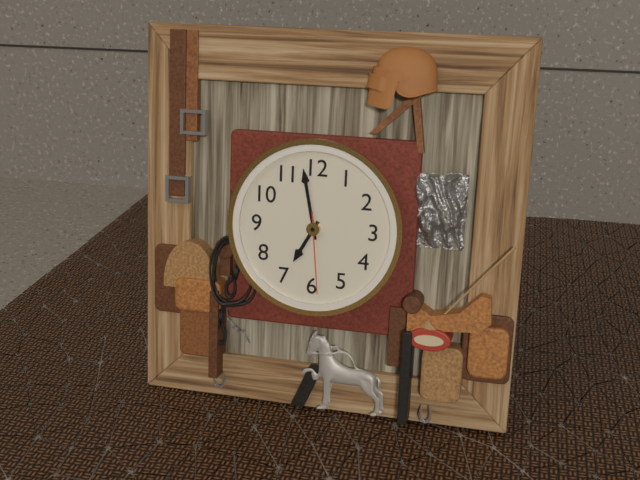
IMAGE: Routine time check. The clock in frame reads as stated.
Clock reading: 6:58:29
